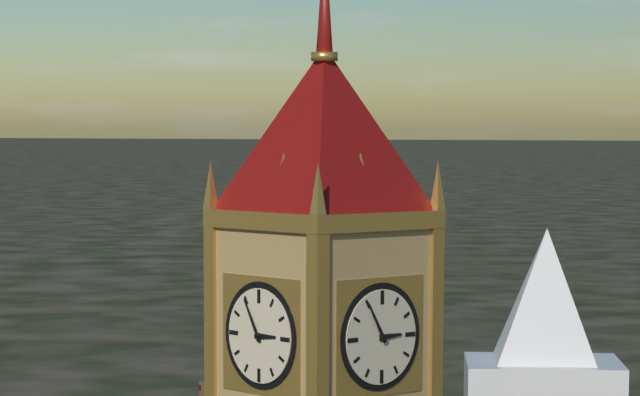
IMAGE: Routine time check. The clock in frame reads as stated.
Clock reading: 2:55
